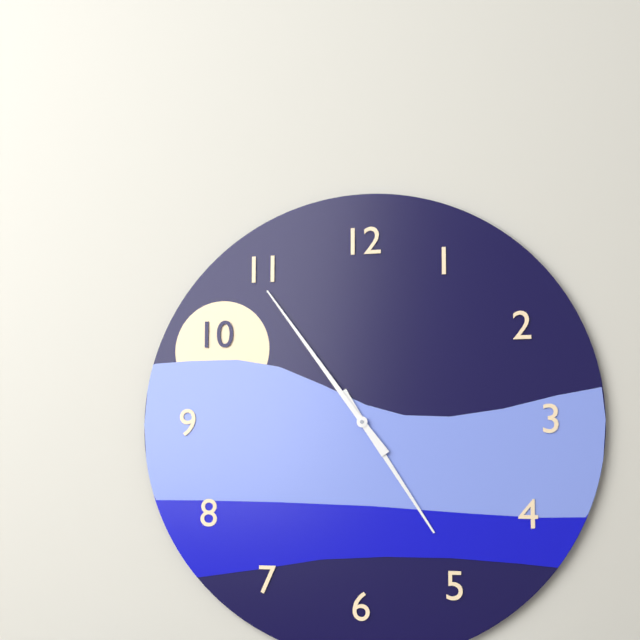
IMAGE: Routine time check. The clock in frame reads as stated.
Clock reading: 4:54
